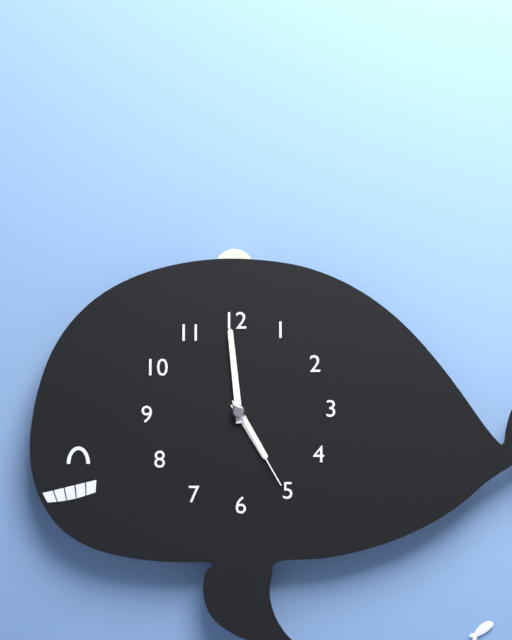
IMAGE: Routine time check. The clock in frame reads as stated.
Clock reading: 4:59:25
